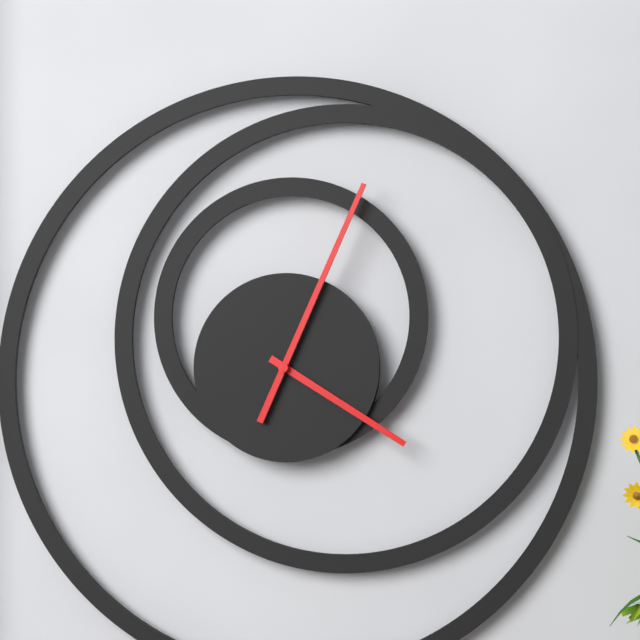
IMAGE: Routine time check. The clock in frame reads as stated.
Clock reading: 4:04
